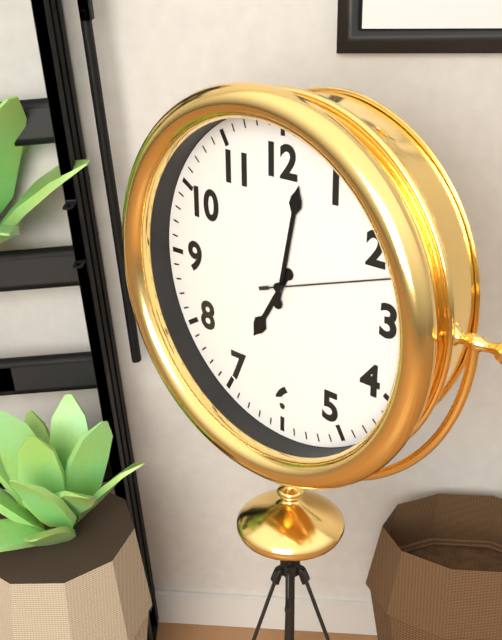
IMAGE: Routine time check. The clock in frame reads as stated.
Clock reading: 7:02:12
